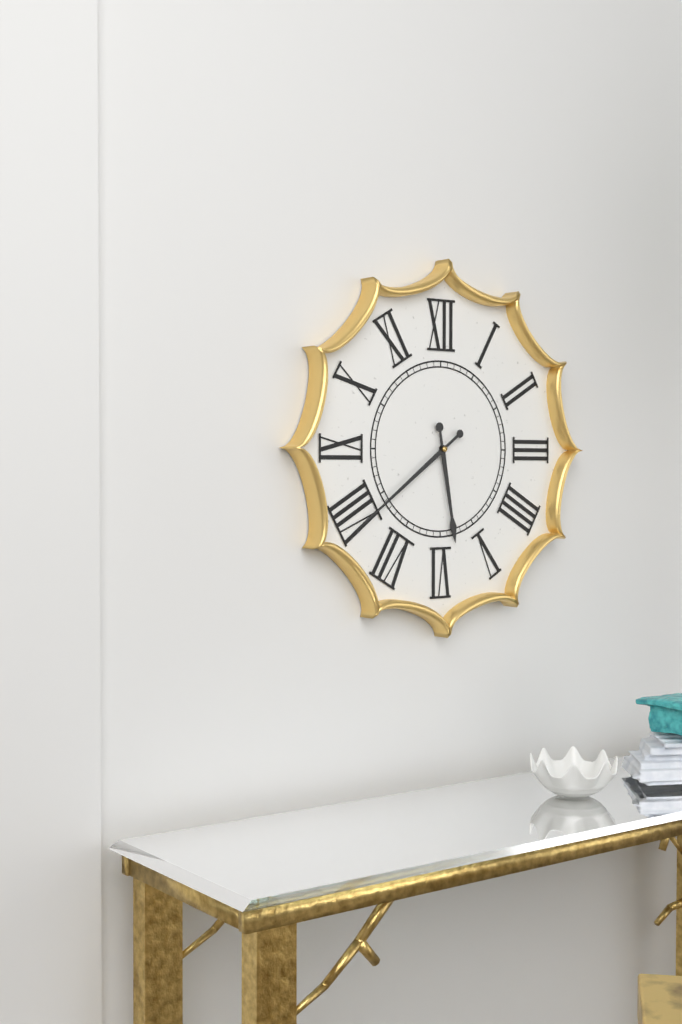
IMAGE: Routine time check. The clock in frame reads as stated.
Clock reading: 5:39
